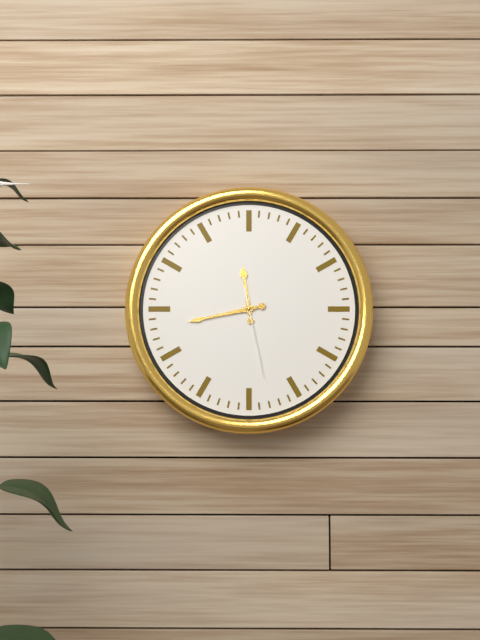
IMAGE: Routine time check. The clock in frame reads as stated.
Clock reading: 11:43:28
